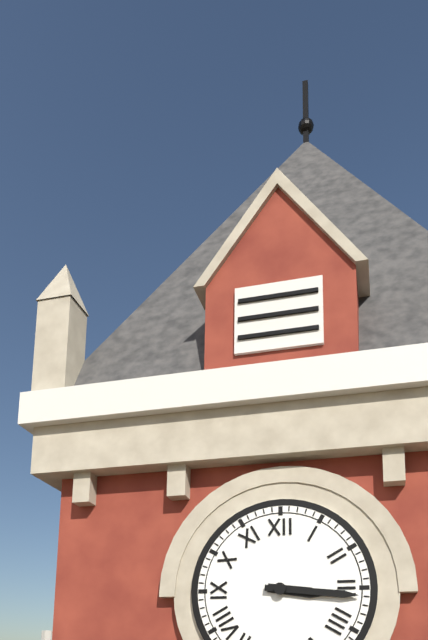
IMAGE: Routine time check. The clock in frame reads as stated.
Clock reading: 3:16
